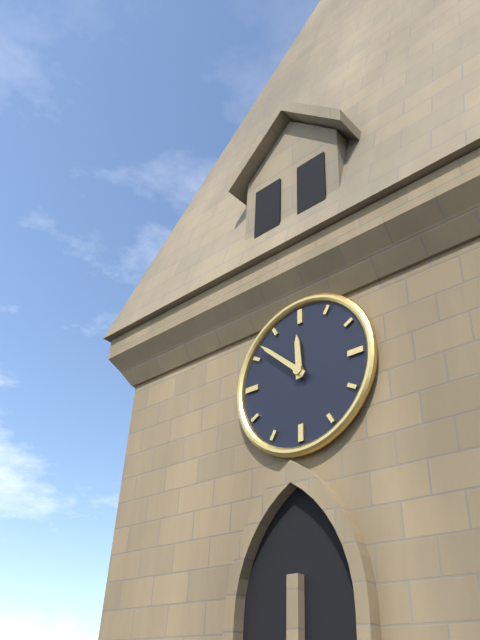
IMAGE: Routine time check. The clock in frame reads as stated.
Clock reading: 11:52
